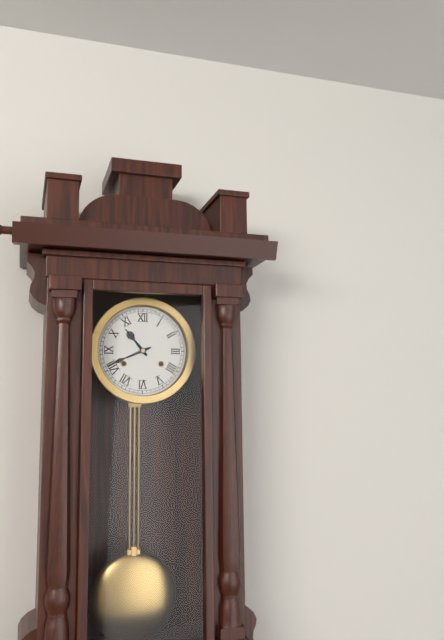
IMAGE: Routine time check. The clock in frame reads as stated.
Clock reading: 10:41
